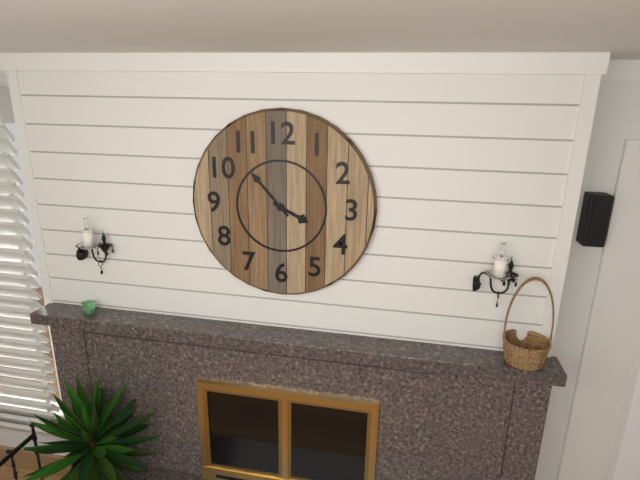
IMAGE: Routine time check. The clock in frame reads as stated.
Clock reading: 3:53
